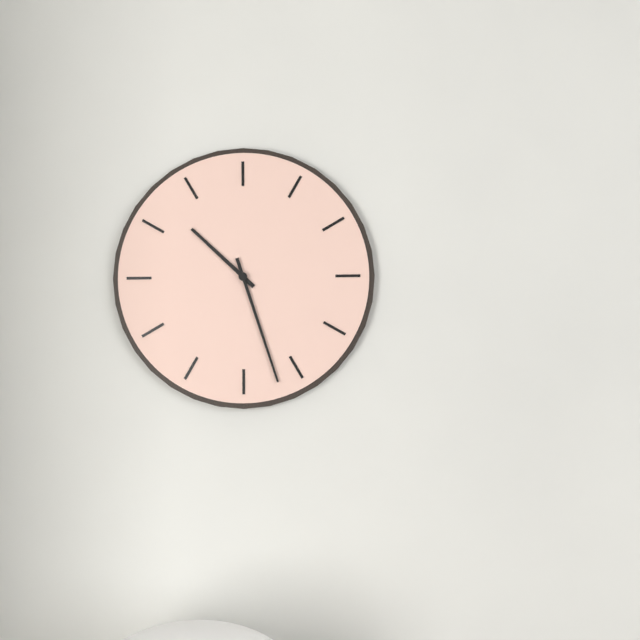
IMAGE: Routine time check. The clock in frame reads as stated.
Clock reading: 10:27
